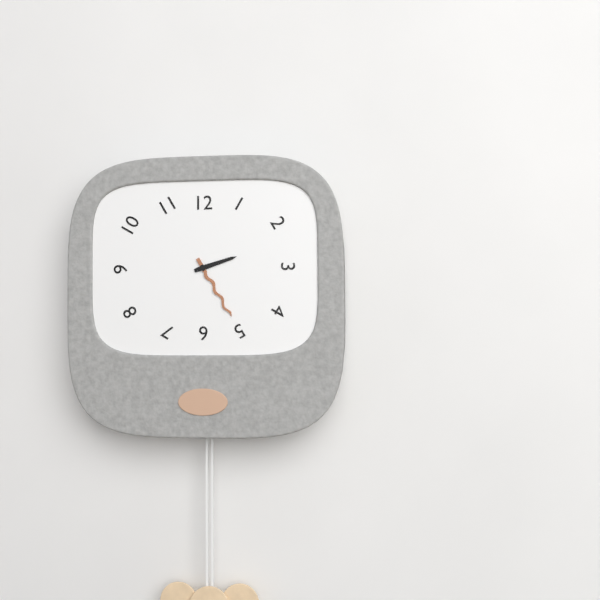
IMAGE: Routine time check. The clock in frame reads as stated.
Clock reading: 2:25
